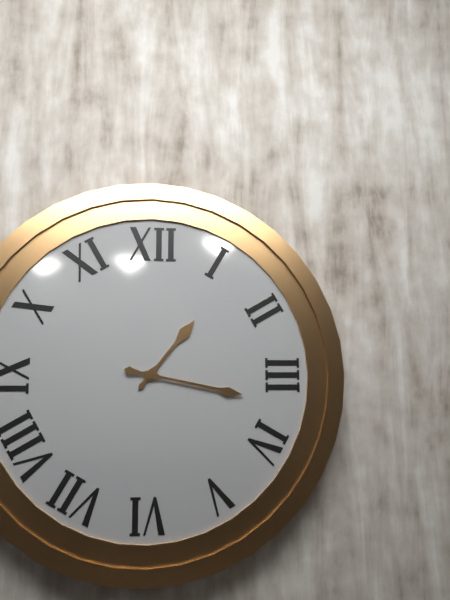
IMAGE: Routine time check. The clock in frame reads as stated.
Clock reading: 1:17
